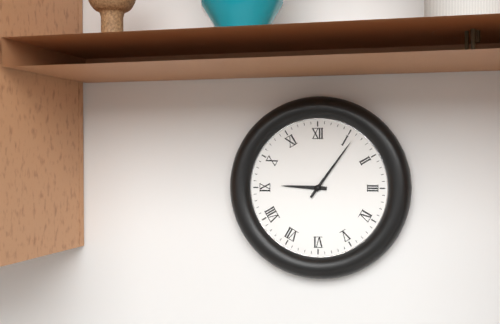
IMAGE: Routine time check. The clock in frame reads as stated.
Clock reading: 9:06
